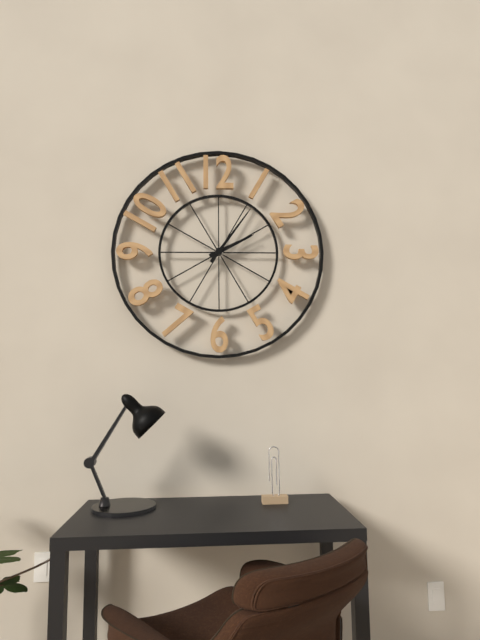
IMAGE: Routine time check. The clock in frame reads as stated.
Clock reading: 2:06
